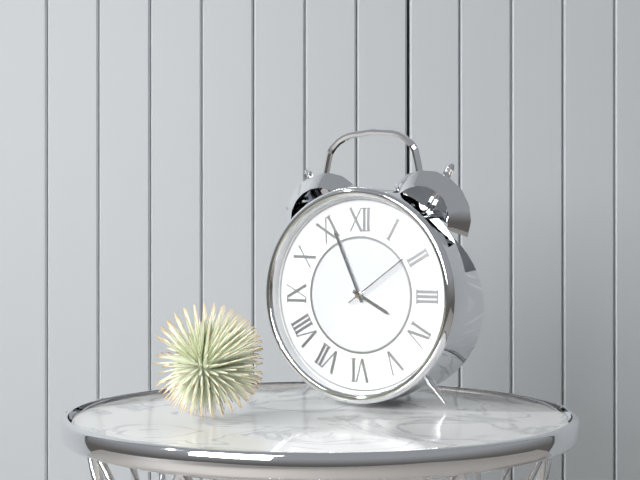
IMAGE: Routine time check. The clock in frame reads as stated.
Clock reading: 3:56:09
